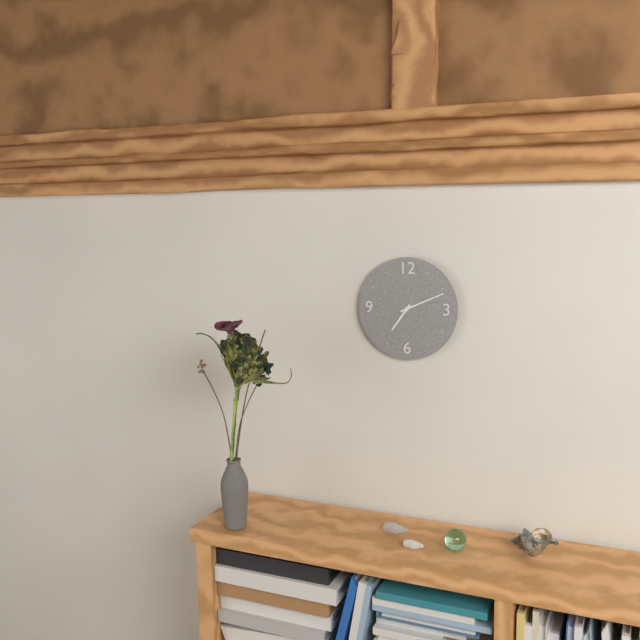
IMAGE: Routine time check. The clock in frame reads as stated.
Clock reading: 7:11
